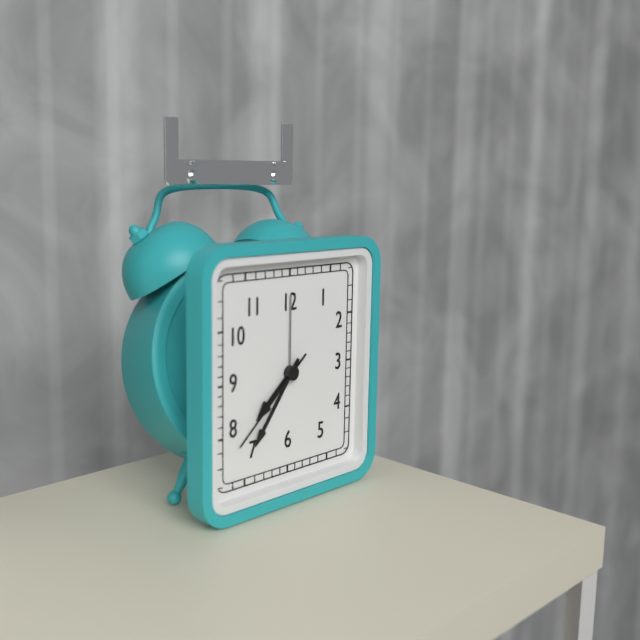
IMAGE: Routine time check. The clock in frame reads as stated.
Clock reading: 7:36:38
